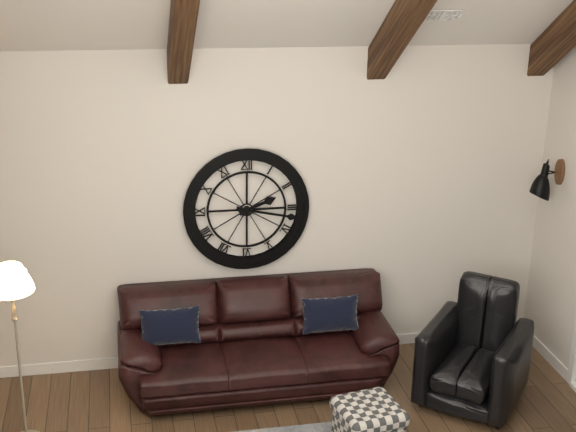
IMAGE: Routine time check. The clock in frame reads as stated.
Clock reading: 2:17
